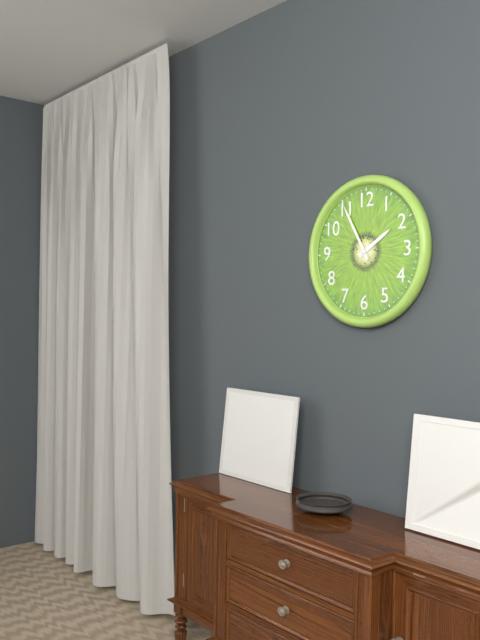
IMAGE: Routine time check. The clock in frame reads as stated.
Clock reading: 1:55
